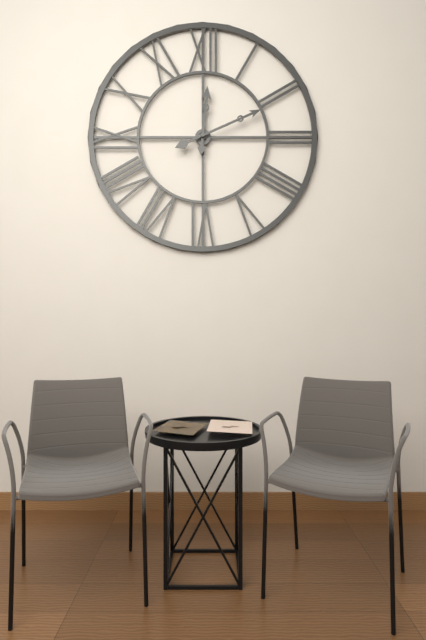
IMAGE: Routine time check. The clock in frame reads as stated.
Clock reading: 12:11
